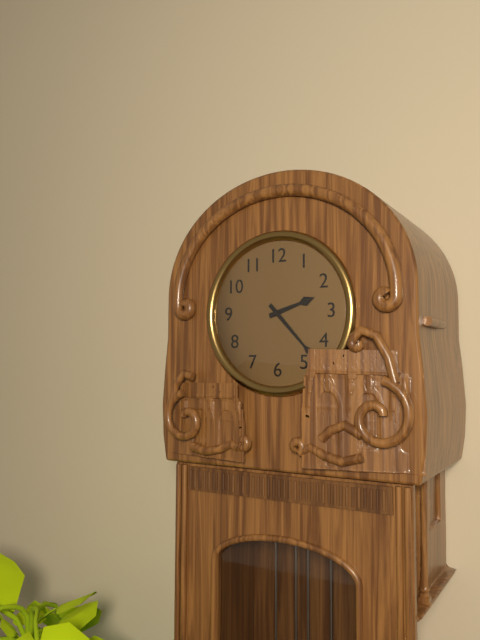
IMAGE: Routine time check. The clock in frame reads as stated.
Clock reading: 2:23
